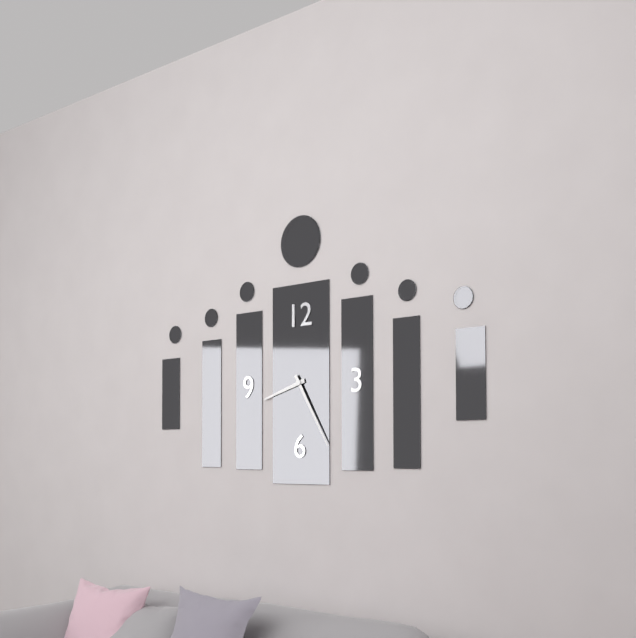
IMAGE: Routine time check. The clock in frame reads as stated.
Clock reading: 8:25
